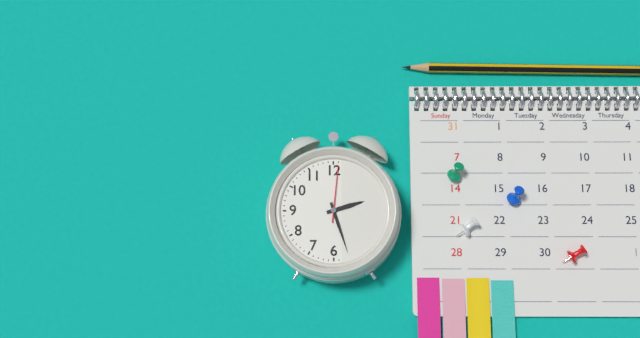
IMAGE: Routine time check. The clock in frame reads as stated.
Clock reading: 2:27:01
